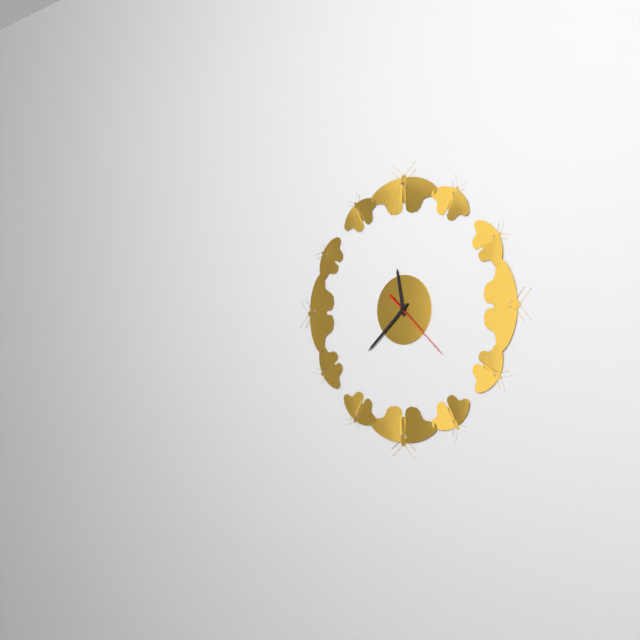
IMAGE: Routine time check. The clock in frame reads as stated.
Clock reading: 11:38:22
